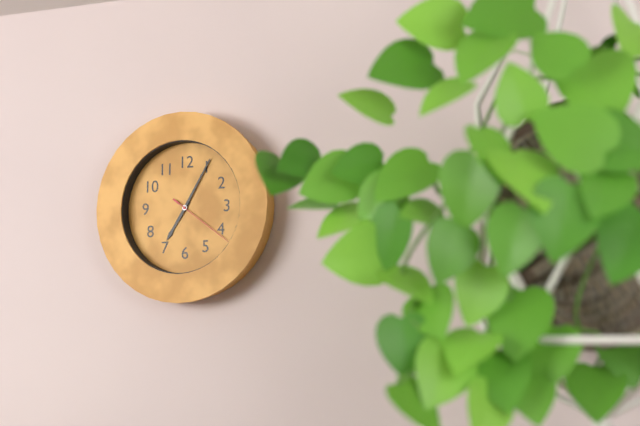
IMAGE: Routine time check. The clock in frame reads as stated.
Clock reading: 7:05:21
